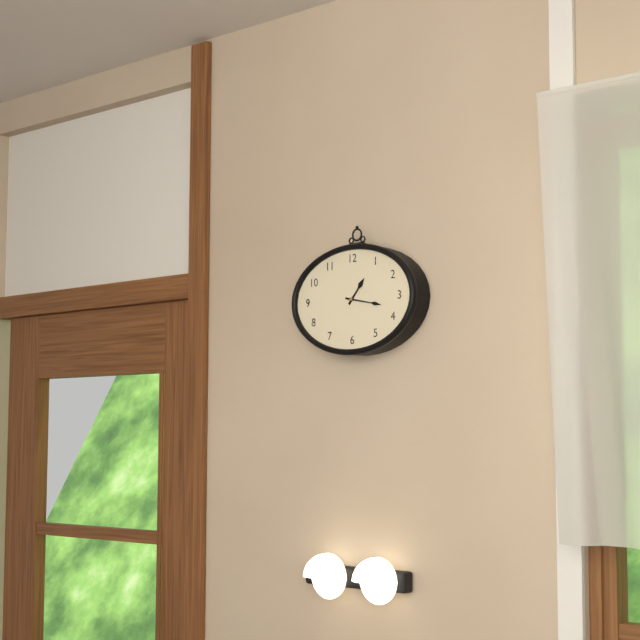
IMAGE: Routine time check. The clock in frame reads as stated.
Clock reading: 1:17
